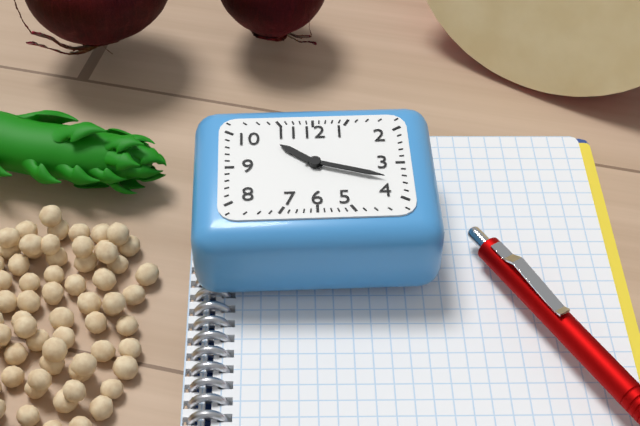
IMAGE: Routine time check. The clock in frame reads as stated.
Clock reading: 10:18
